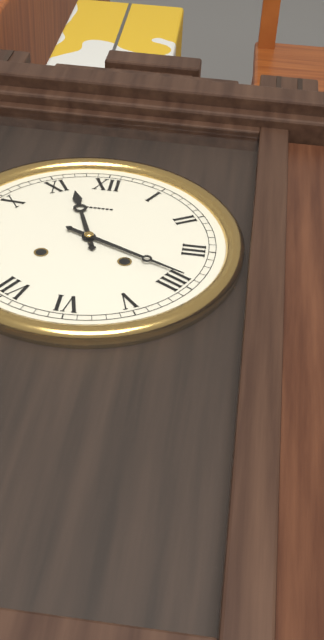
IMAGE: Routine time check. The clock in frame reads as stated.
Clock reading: 11:19
